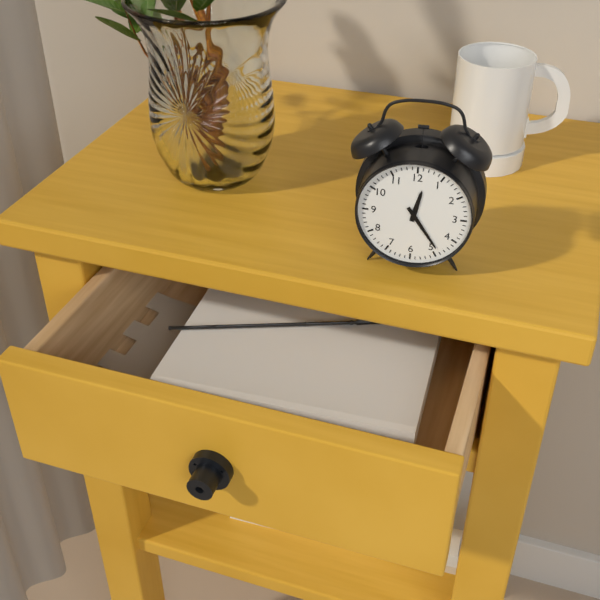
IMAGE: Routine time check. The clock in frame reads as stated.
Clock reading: 12:24
